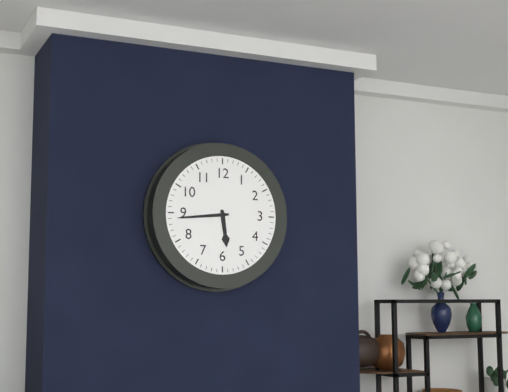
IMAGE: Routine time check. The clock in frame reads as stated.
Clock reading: 5:44
